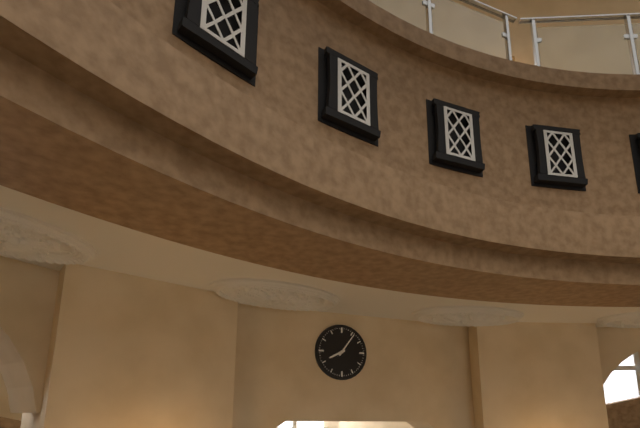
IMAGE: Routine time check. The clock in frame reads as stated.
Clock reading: 8:06
